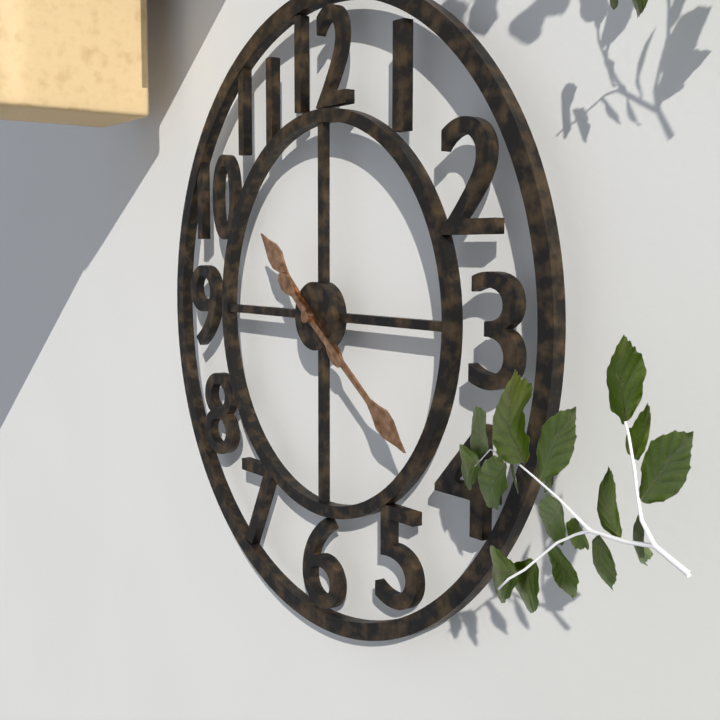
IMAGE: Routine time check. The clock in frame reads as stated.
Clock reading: 10:21
